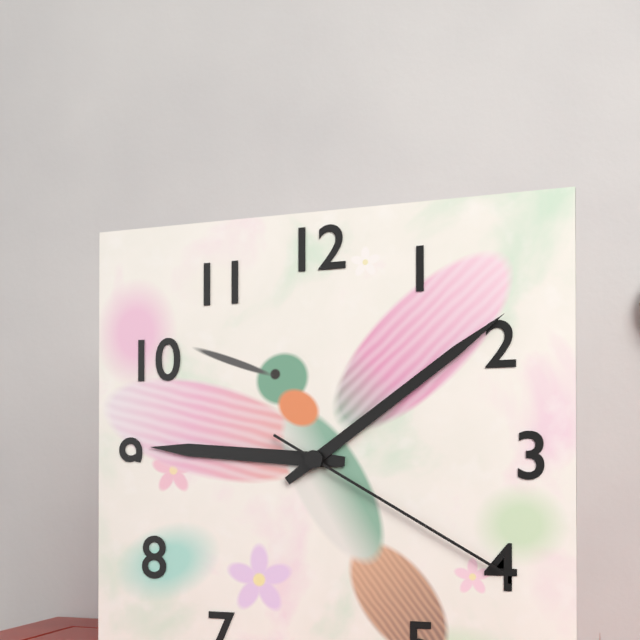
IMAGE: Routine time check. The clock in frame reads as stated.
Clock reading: 9:09:20
